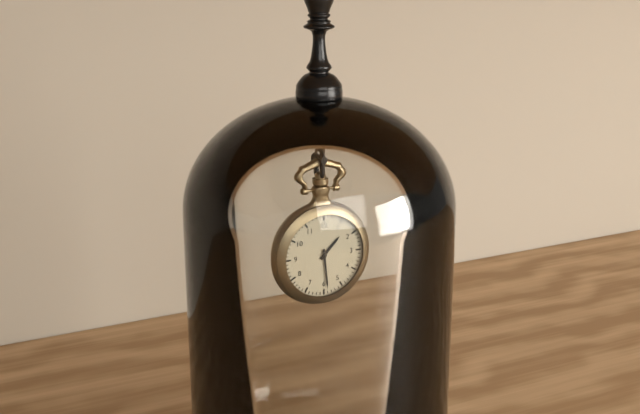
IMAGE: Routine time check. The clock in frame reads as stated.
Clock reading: 1:29
